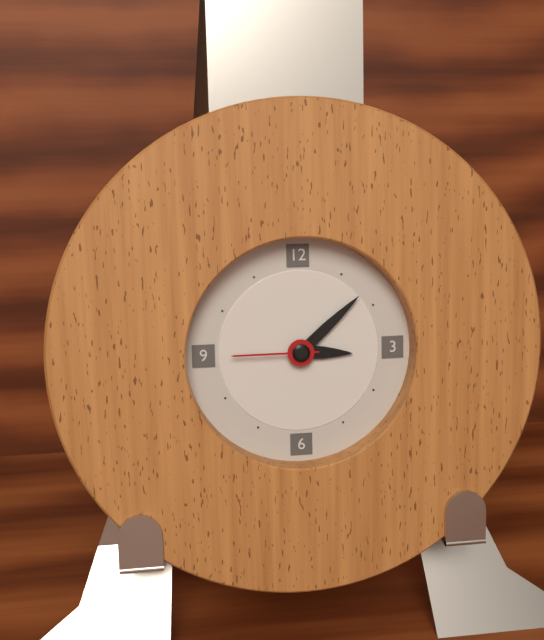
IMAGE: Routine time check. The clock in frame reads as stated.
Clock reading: 3:08:45
